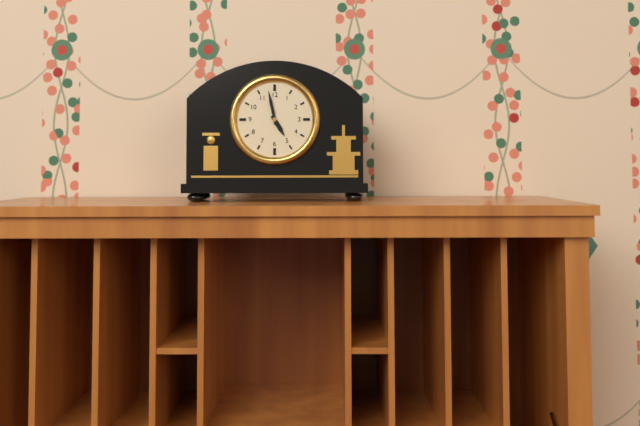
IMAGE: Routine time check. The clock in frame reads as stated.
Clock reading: 4:58
